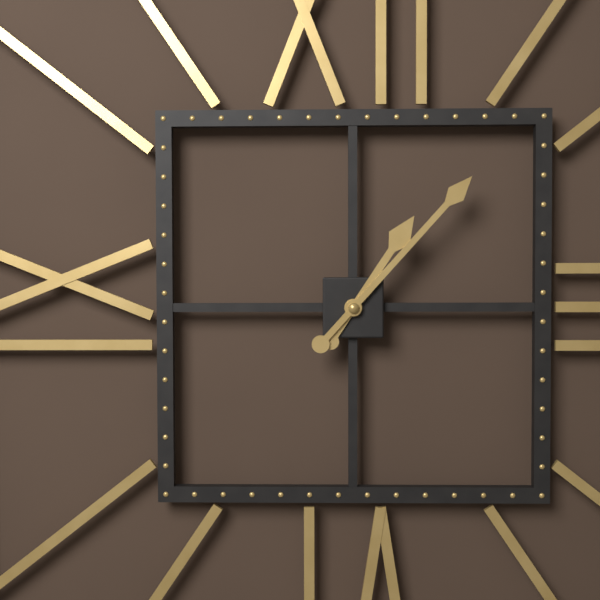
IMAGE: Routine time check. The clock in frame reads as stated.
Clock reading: 1:07
